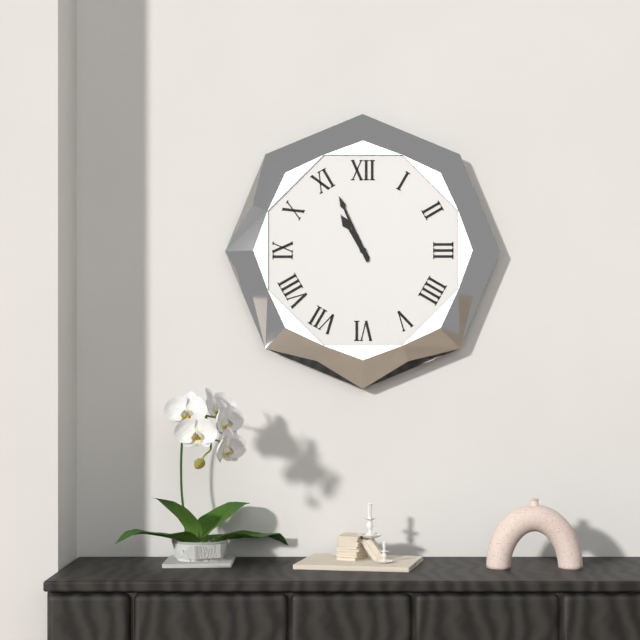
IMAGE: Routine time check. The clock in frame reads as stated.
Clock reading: 10:56
